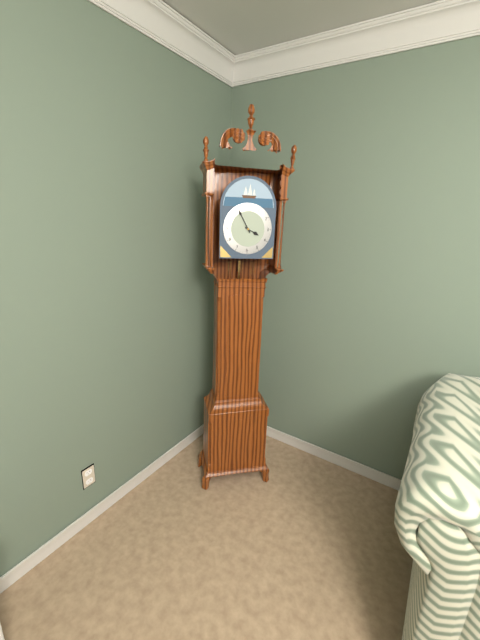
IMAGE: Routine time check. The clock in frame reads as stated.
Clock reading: 3:55
